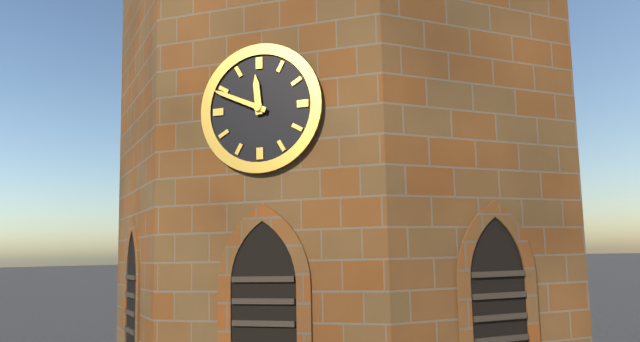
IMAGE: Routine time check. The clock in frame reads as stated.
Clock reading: 11:49
